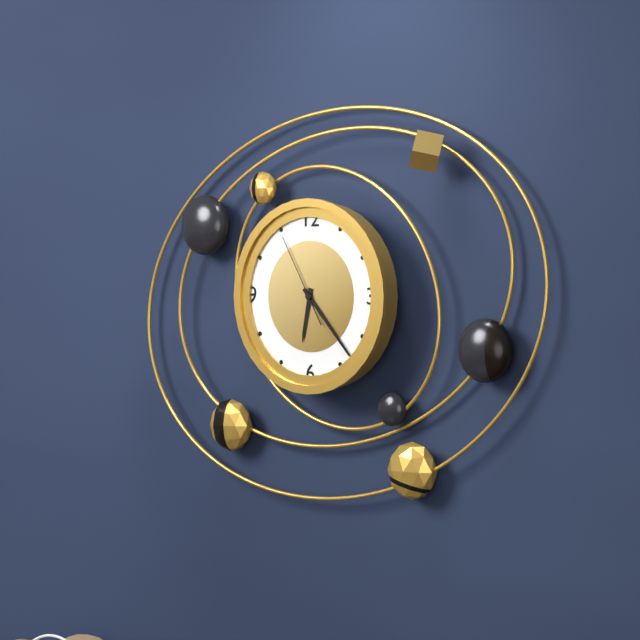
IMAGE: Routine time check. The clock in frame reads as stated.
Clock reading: 6:23:55
